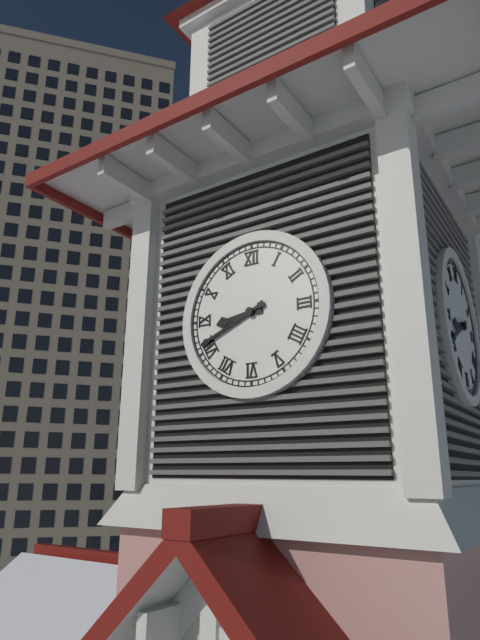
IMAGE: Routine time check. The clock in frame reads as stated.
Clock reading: 8:41
